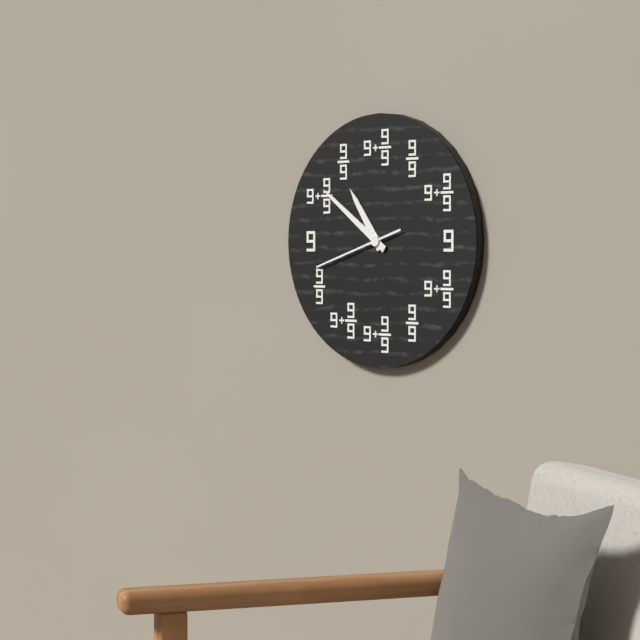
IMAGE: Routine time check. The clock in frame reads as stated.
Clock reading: 10:51:42
